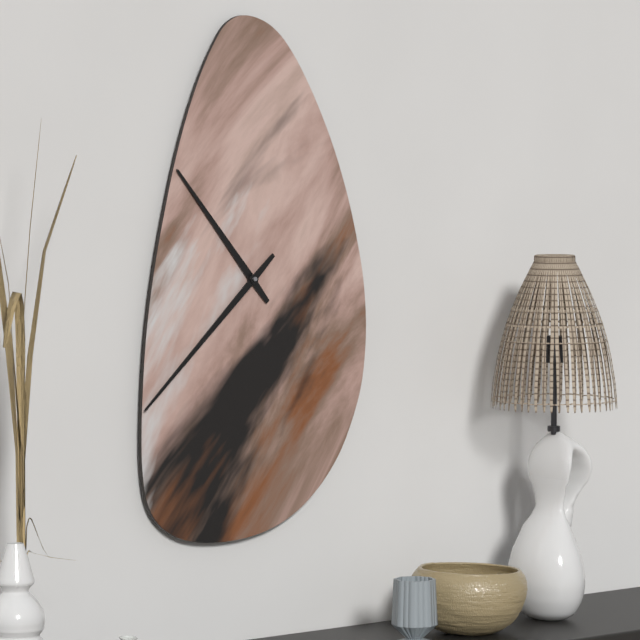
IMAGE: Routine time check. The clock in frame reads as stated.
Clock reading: 10:38
